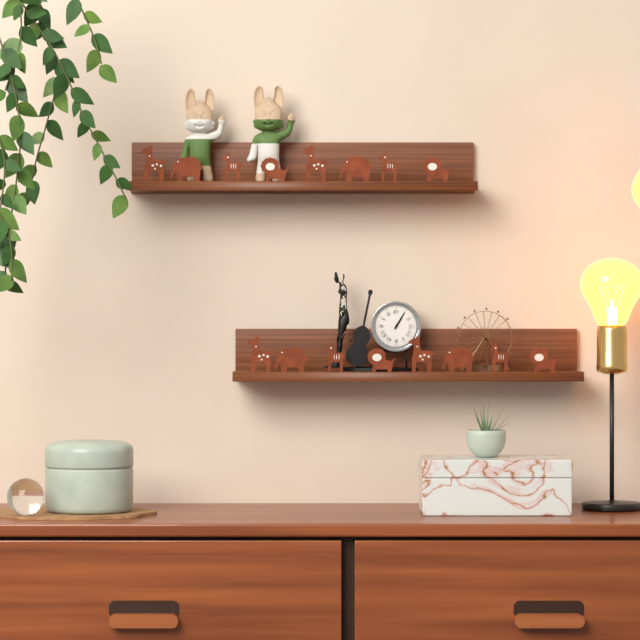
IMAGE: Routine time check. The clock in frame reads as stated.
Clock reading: 1:05
